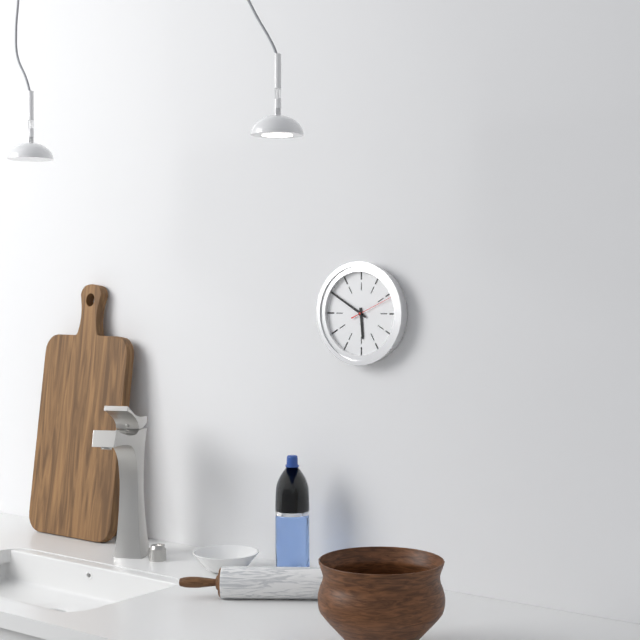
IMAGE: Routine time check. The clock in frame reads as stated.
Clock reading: 5:50
